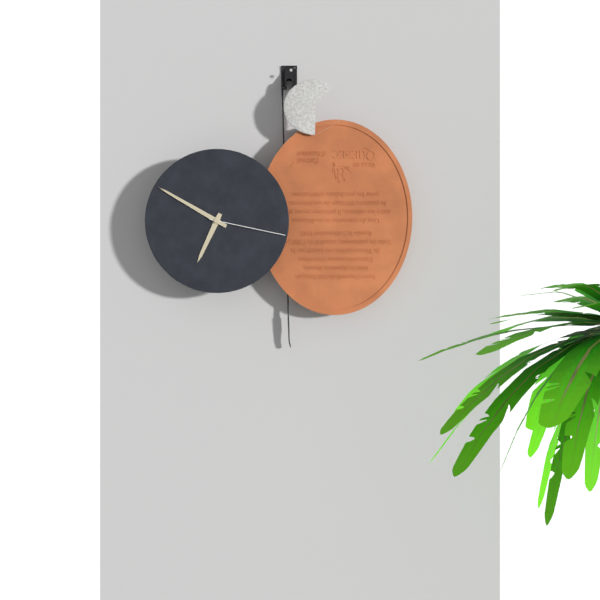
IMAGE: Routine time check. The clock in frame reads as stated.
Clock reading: 6:50:17
